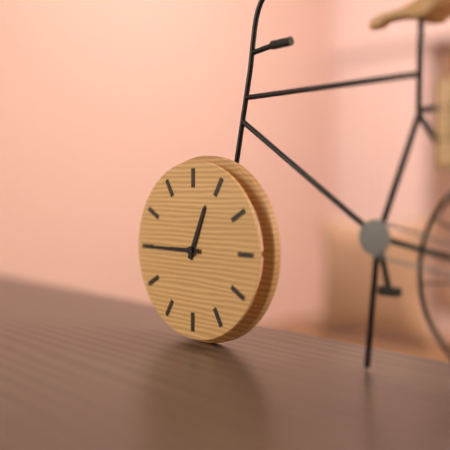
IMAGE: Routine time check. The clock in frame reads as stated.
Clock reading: 12:45
